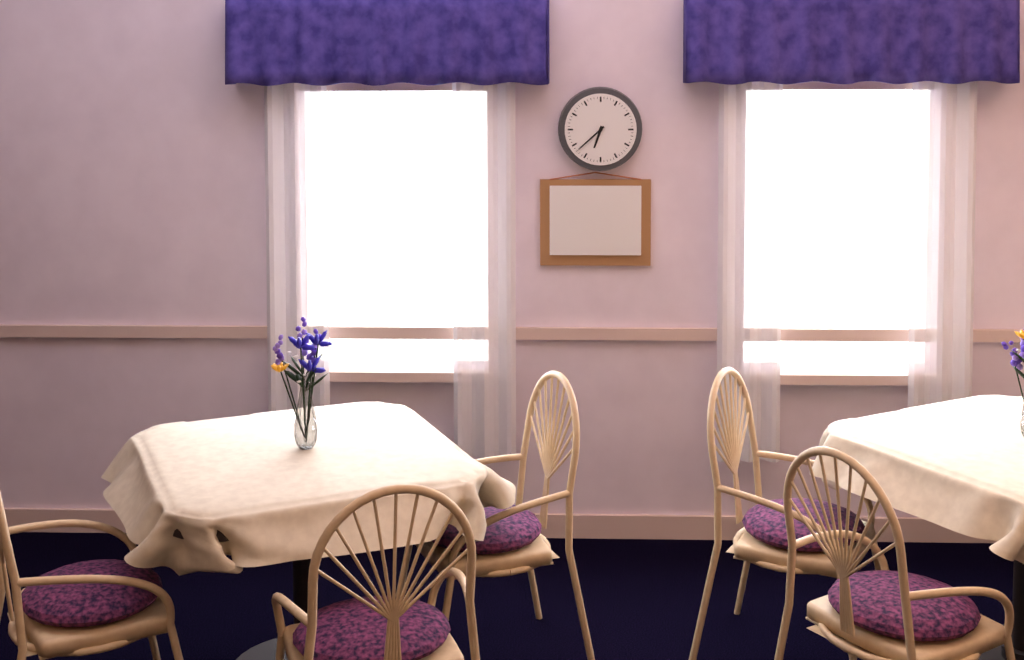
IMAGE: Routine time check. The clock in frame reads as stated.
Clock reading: 6:38
